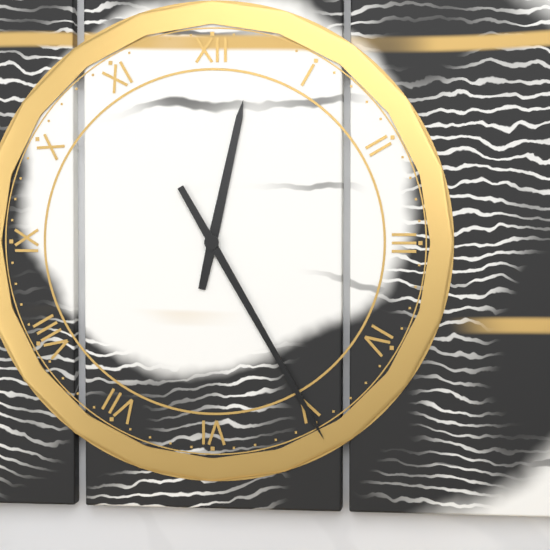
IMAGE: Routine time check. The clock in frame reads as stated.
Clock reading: 12:25
